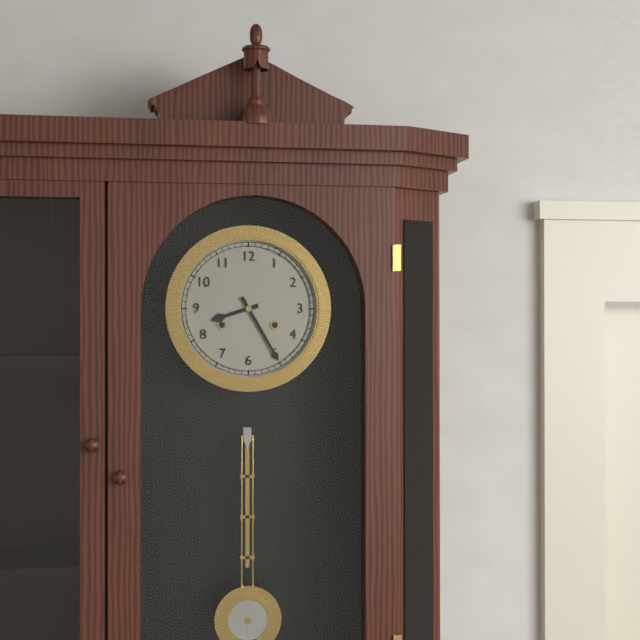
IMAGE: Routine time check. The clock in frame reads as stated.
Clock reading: 8:25
